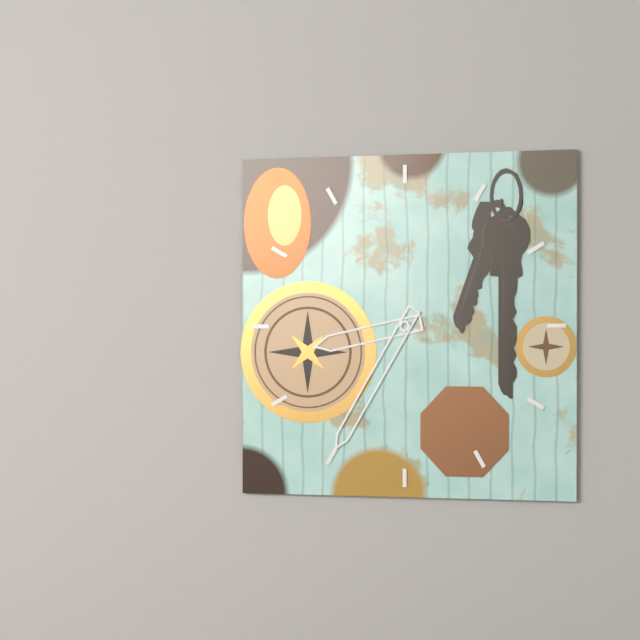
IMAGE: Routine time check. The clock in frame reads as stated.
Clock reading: 8:35
